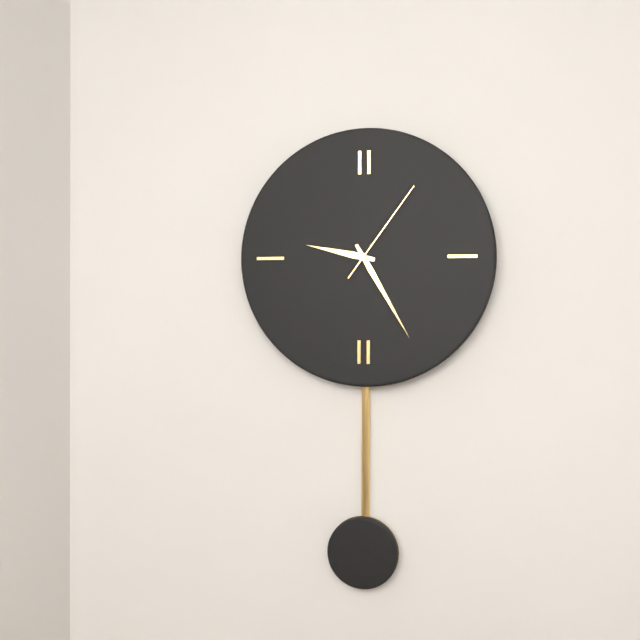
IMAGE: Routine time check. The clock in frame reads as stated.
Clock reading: 9:25:06
